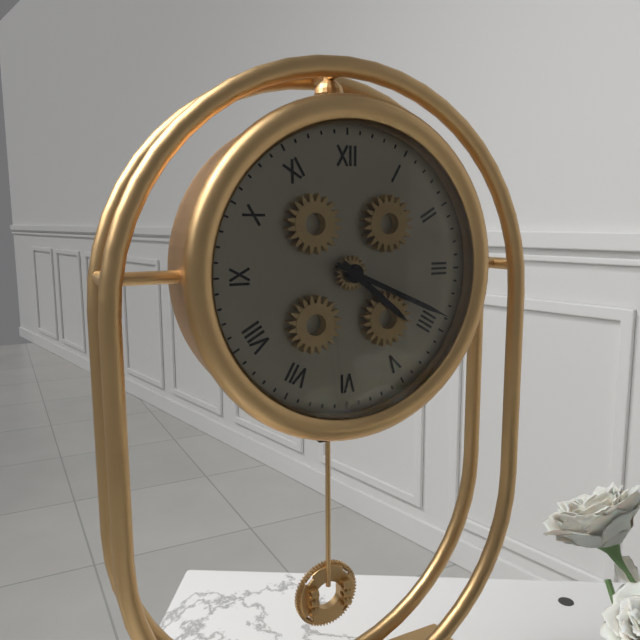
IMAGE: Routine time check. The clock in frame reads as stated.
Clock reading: 4:19
